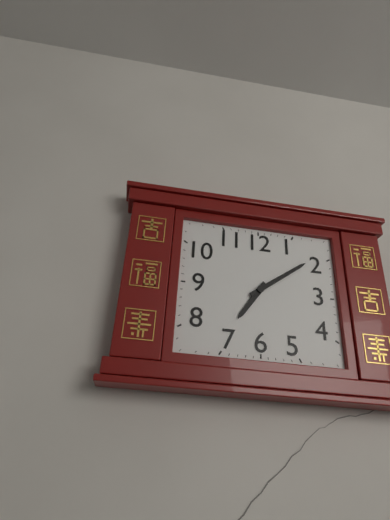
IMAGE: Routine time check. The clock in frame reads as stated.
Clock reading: 7:09
